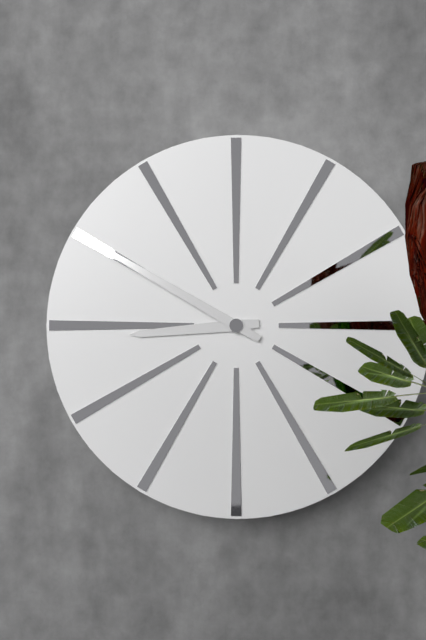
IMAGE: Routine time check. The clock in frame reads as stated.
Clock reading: 8:50
